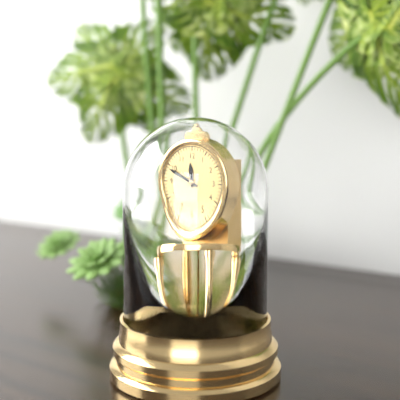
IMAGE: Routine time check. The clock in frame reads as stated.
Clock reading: 11:49
